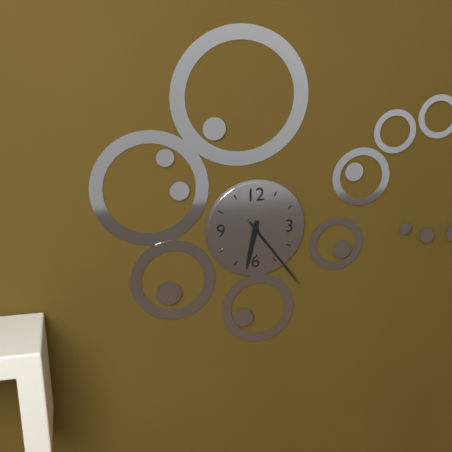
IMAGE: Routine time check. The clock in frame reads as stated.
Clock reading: 6:24
